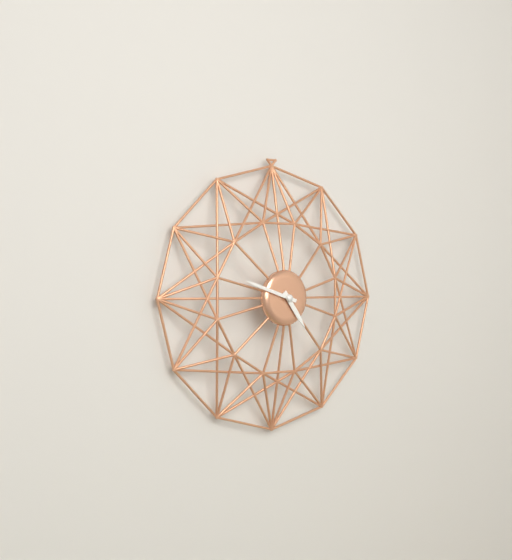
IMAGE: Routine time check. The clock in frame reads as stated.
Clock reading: 4:48
